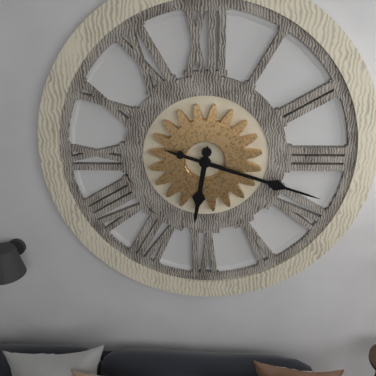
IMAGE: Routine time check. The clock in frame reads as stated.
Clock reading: 6:18
